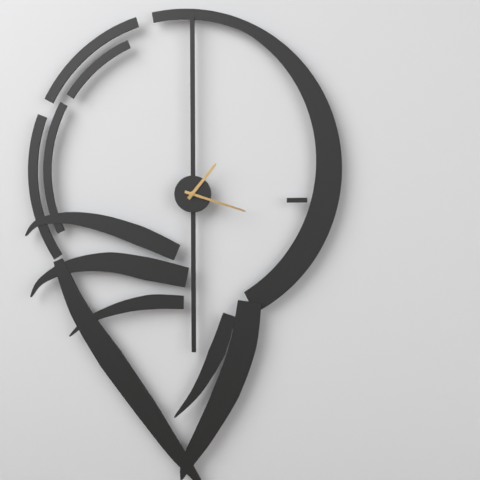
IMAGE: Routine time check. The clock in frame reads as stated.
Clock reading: 1:18
